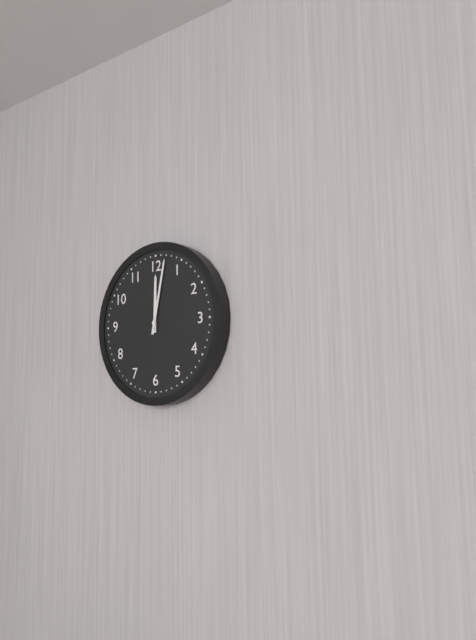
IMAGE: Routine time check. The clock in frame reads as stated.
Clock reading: 12:02
